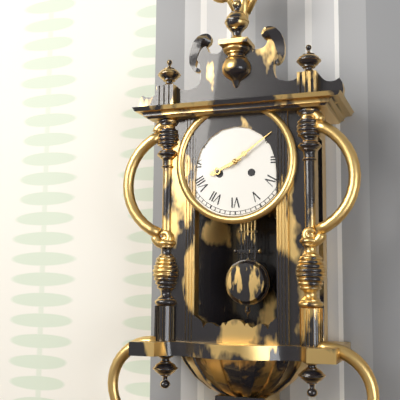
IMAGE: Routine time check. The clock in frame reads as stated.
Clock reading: 8:09
